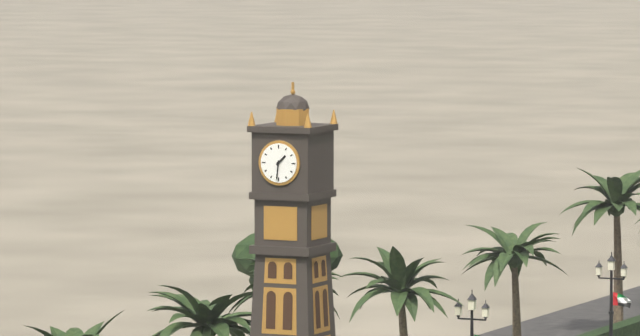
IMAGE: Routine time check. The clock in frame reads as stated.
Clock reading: 1:31
